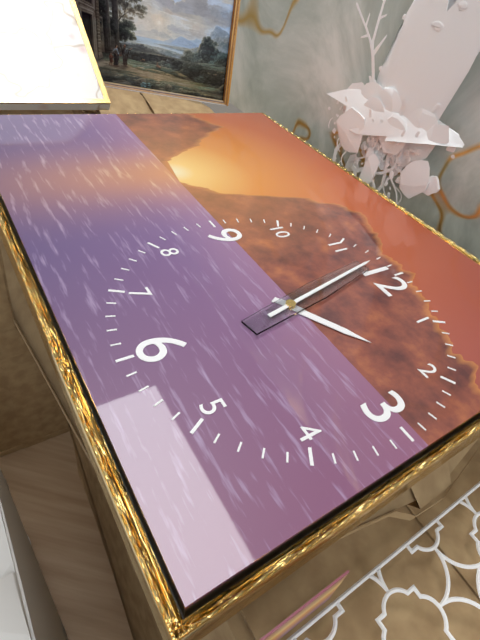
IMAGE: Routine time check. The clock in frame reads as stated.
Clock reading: 1:58
